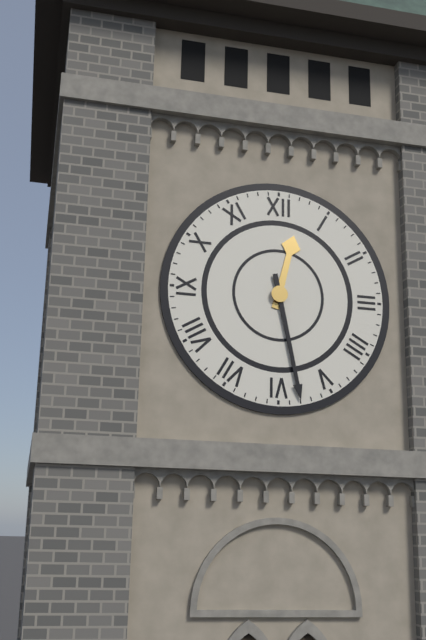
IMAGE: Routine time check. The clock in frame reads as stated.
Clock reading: 12:28
